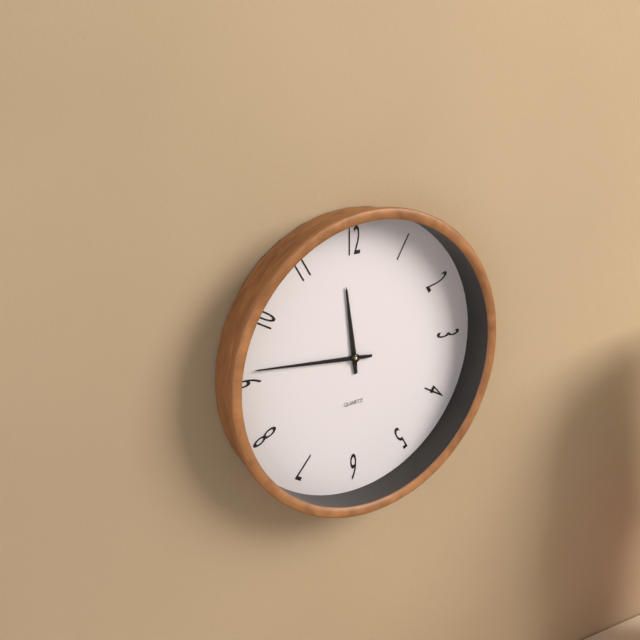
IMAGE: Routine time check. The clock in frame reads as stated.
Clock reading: 11:46
